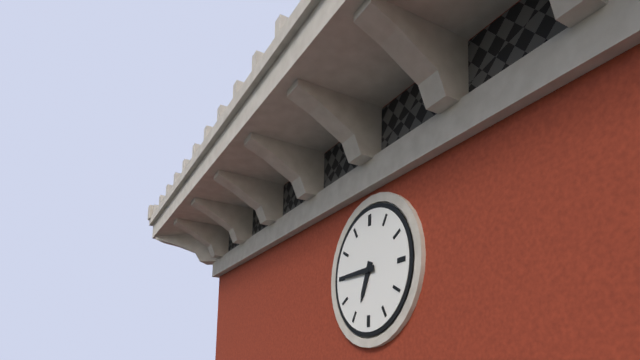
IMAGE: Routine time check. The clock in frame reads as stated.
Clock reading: 6:45
